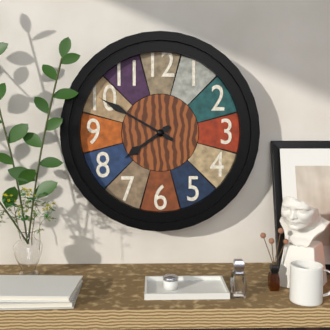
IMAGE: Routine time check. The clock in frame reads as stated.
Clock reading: 7:50
